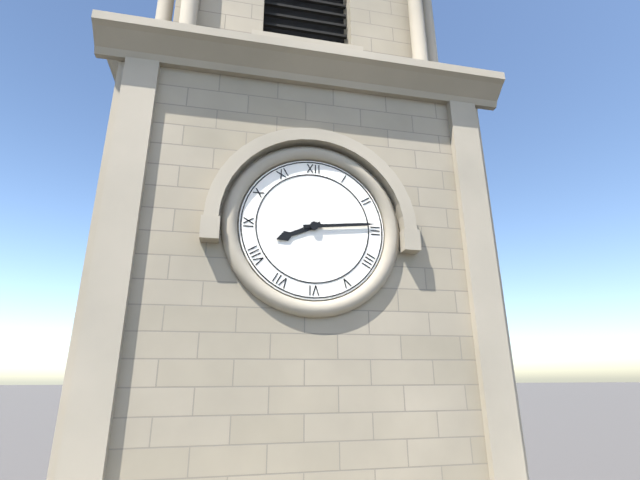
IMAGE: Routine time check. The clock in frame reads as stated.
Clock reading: 8:14
